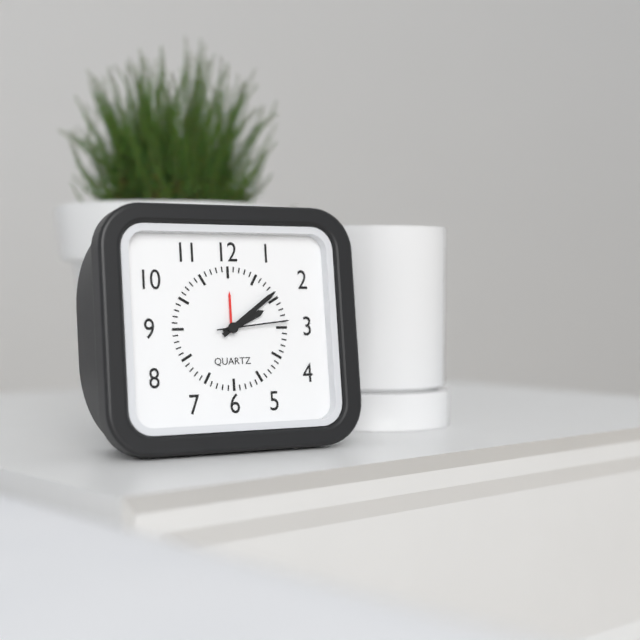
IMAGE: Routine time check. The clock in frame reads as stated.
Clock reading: 2:09:14
